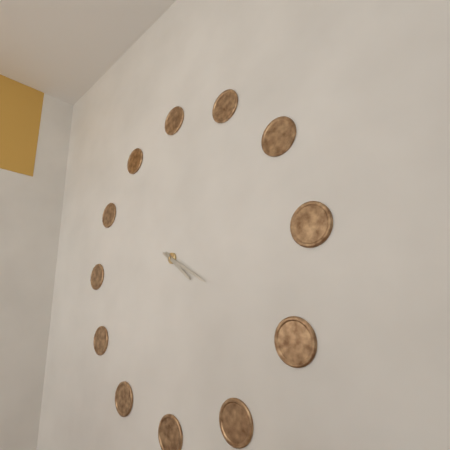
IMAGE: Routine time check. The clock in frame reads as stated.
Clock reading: 4:20
